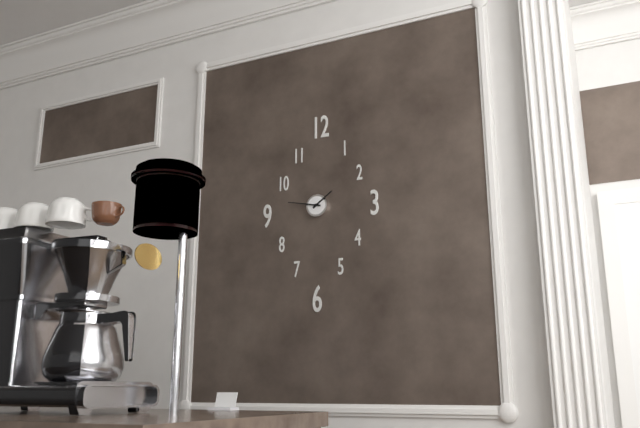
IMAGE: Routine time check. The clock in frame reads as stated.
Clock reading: 1:47
